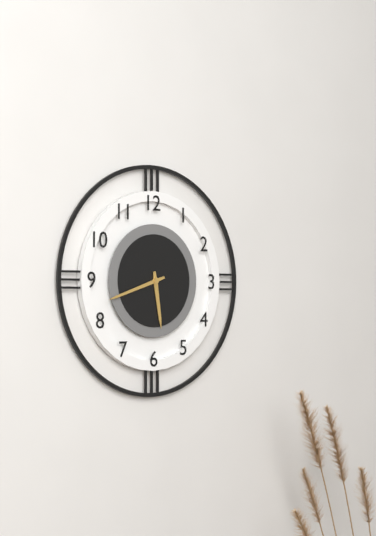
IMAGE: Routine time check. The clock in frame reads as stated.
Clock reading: 5:42
